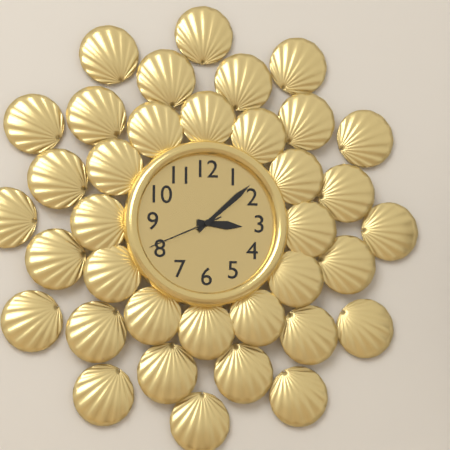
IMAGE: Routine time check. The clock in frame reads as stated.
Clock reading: 3:08:41
